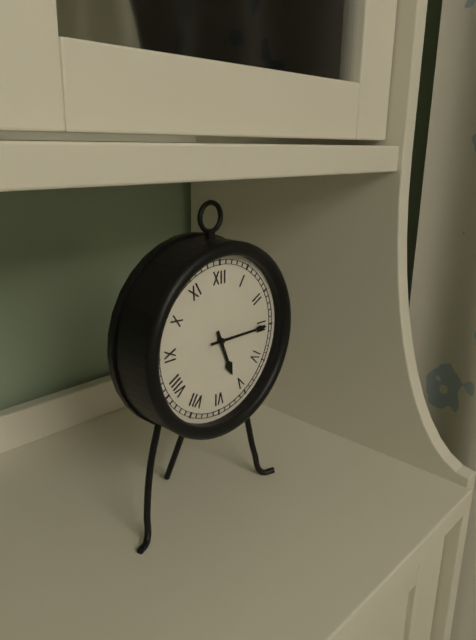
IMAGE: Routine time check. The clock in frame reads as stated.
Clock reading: 5:15
